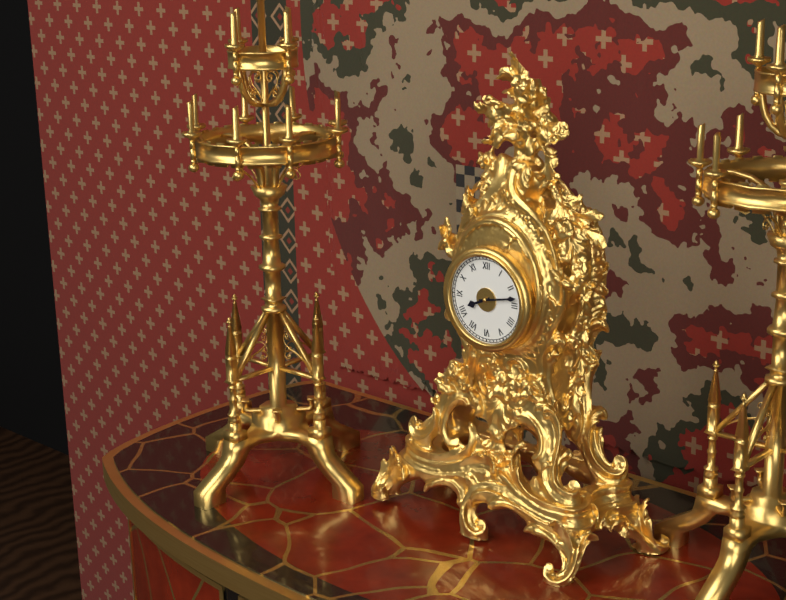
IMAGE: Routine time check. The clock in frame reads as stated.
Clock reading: 8:13
